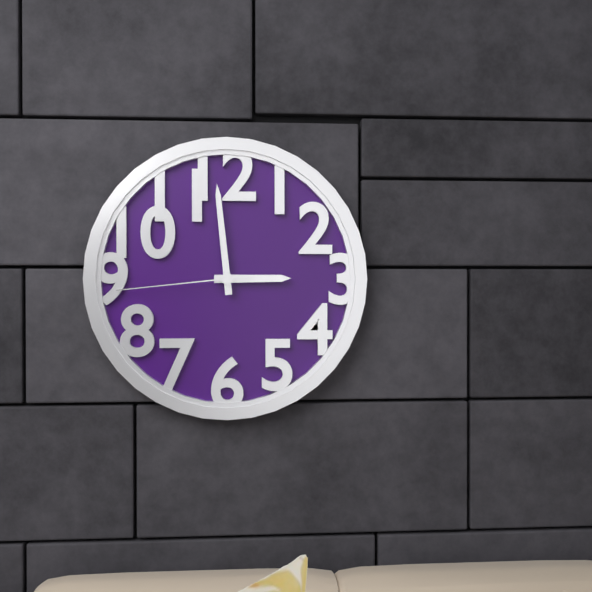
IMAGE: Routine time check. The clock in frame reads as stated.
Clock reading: 2:59:44
